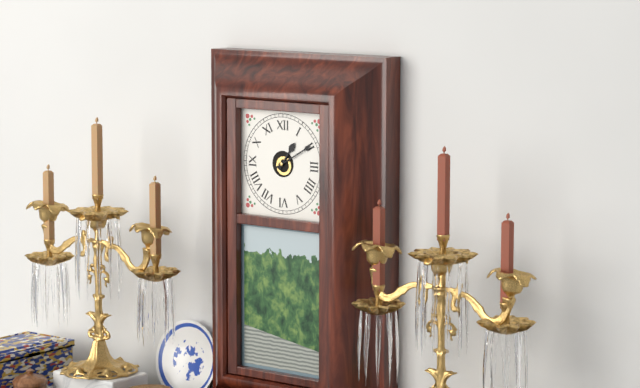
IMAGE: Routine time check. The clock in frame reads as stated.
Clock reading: 1:10
